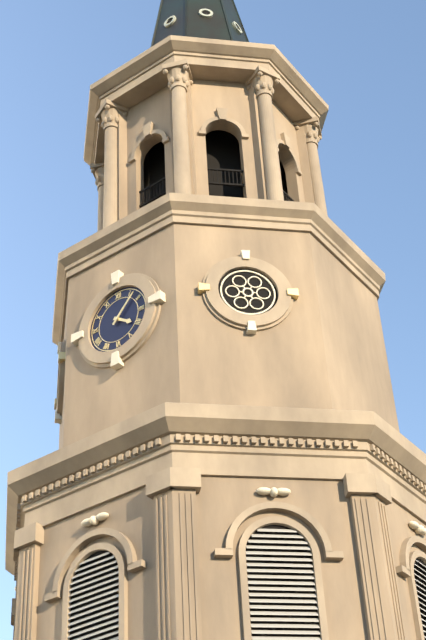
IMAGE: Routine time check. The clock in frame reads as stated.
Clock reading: 4:07
